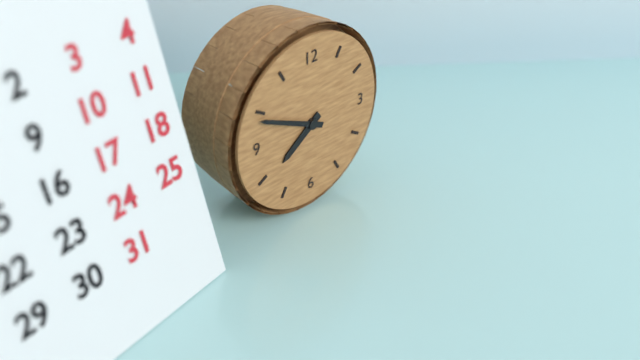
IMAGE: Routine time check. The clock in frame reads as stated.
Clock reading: 7:49
